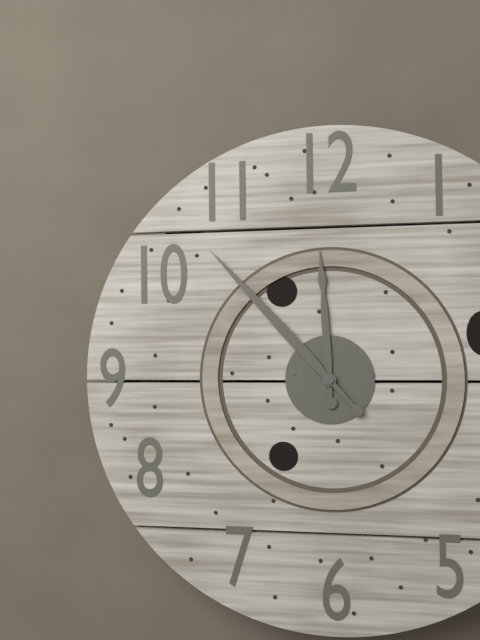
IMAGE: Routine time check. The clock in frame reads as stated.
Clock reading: 11:53
